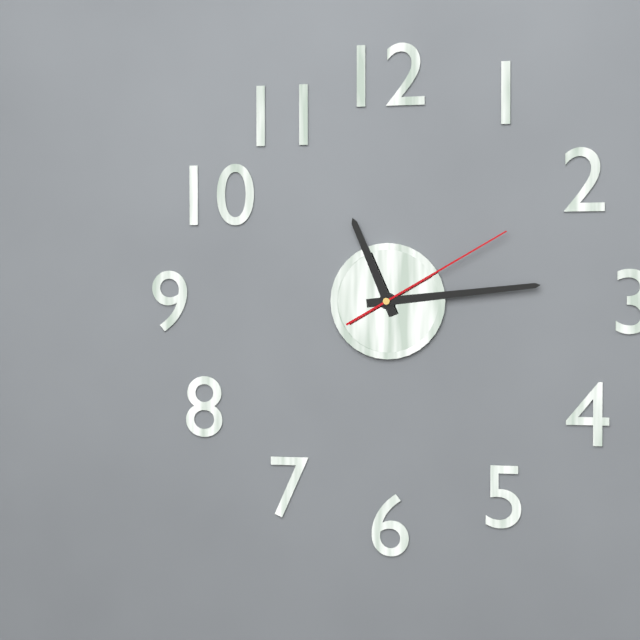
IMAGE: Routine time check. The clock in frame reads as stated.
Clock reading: 11:14:10
